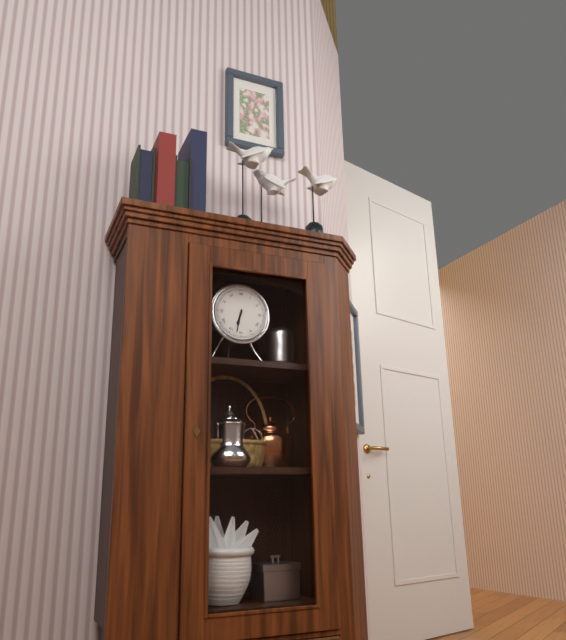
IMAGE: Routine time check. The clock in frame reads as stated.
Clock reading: 6:32
